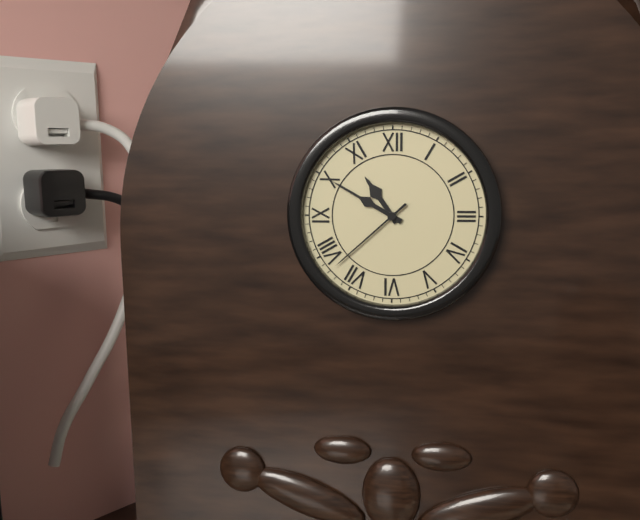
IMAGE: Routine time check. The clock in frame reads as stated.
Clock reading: 10:50:38
